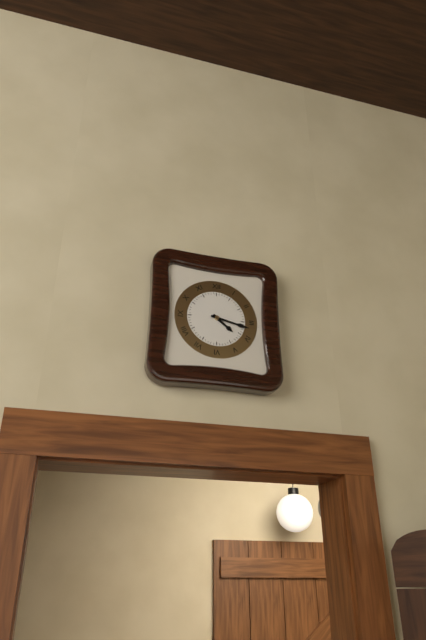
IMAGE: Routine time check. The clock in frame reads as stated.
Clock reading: 4:17
